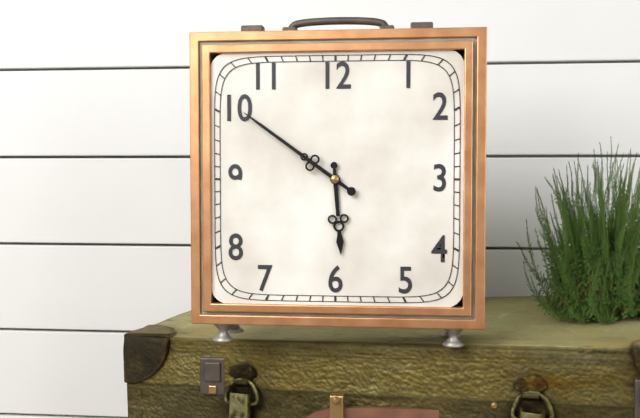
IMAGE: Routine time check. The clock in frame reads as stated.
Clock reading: 5:51
